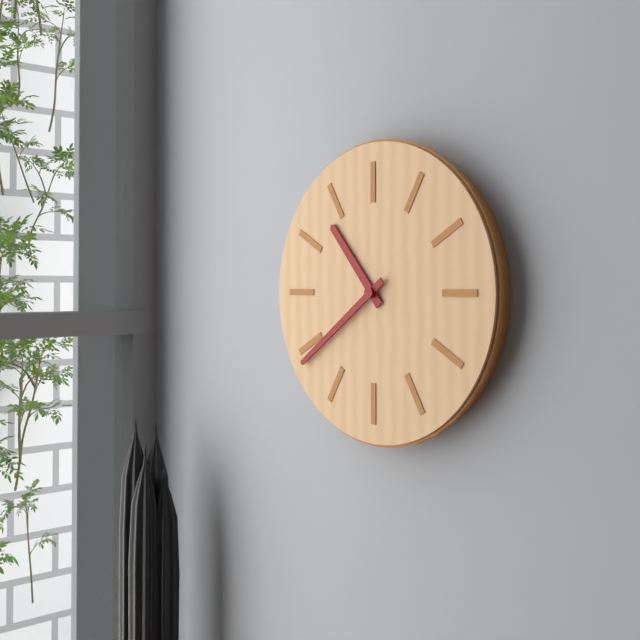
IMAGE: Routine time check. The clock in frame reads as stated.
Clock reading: 10:39
